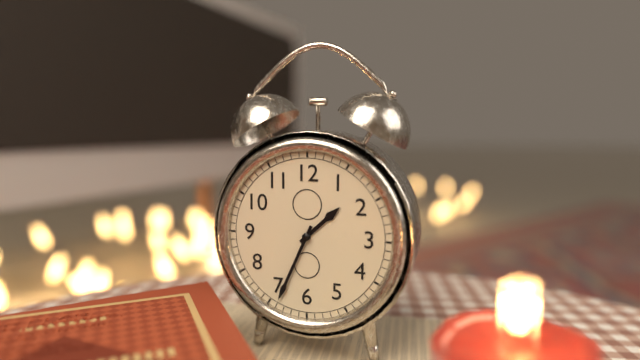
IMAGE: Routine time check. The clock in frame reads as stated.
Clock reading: 1:34
